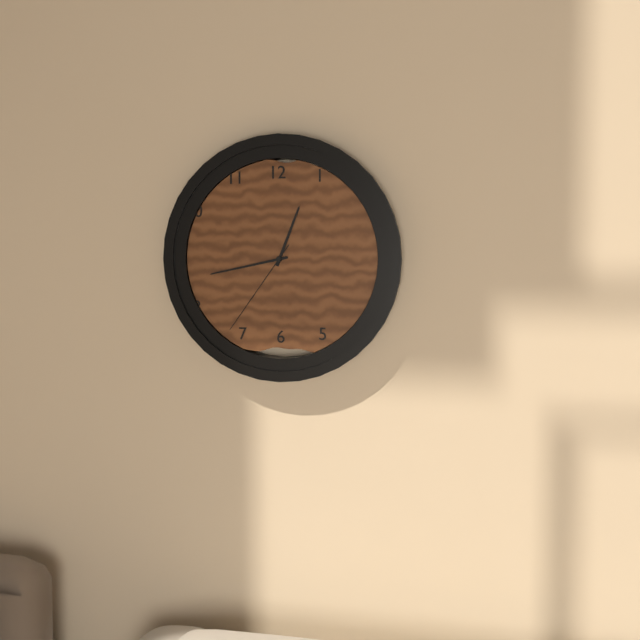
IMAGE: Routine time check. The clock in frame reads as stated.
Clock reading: 12:43:36
